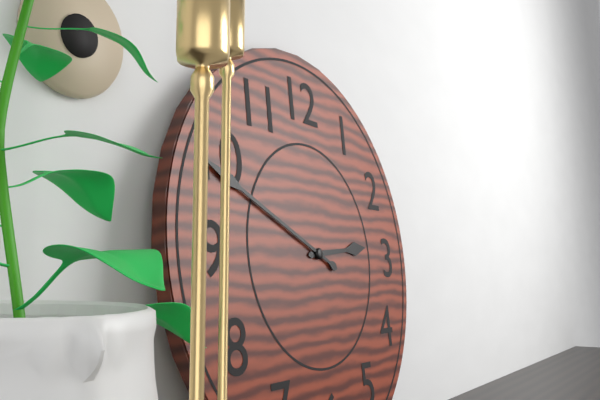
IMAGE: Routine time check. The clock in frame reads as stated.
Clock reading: 2:49
